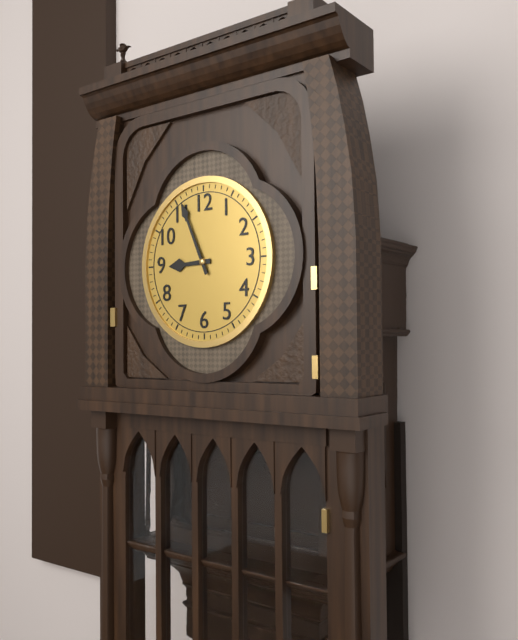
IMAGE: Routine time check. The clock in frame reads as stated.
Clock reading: 8:56
